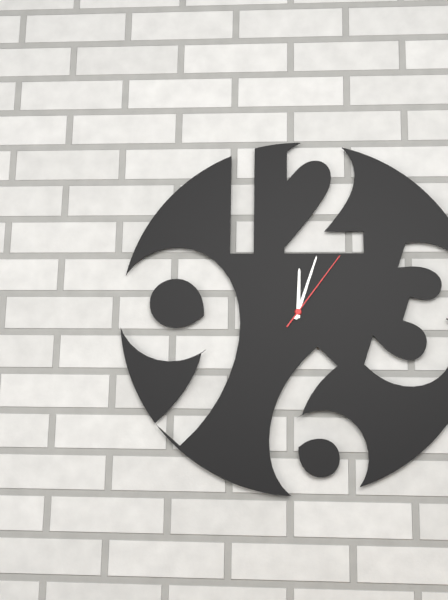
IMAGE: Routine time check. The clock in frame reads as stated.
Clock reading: 12:03:06
